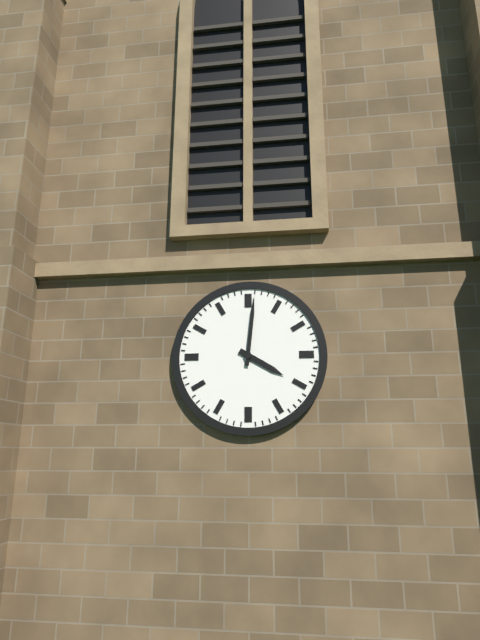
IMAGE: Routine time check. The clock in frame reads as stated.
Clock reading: 4:01
